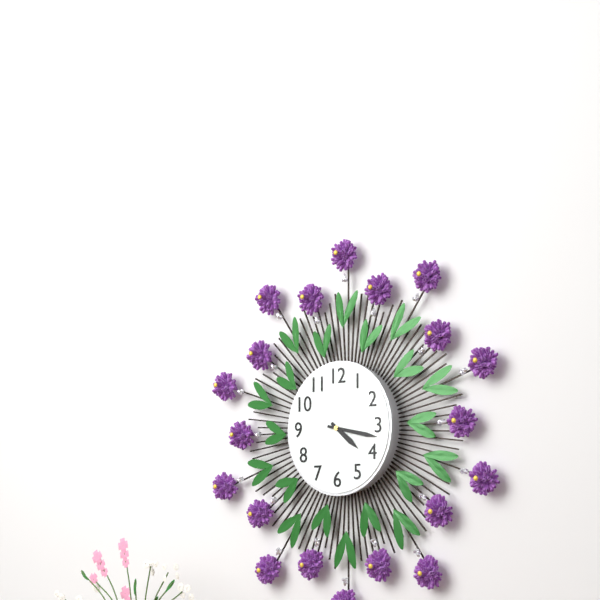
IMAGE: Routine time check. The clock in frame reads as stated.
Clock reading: 4:17
